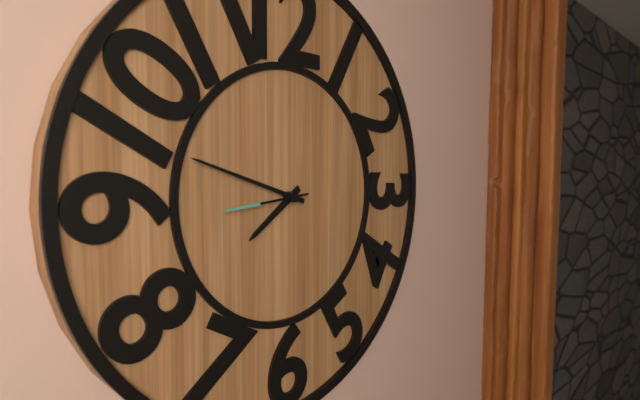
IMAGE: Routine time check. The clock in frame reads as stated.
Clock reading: 7:48:44
